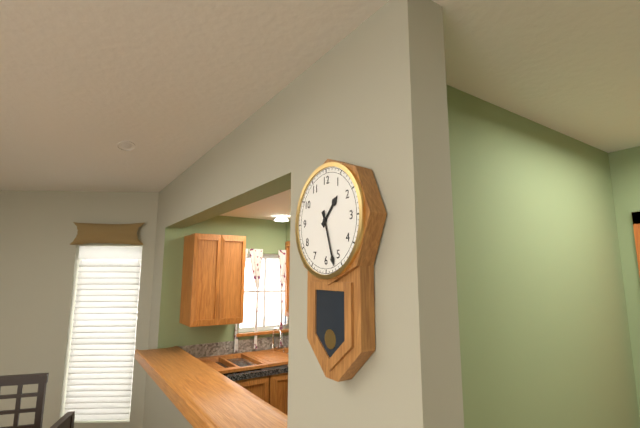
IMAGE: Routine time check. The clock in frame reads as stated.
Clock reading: 1:27
